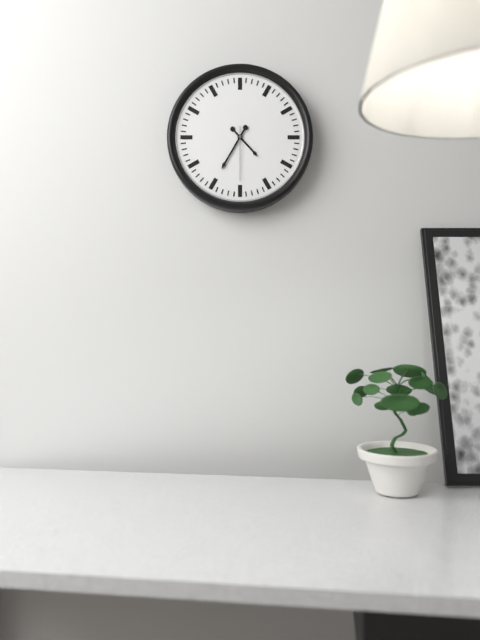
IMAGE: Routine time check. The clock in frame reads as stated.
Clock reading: 4:35
